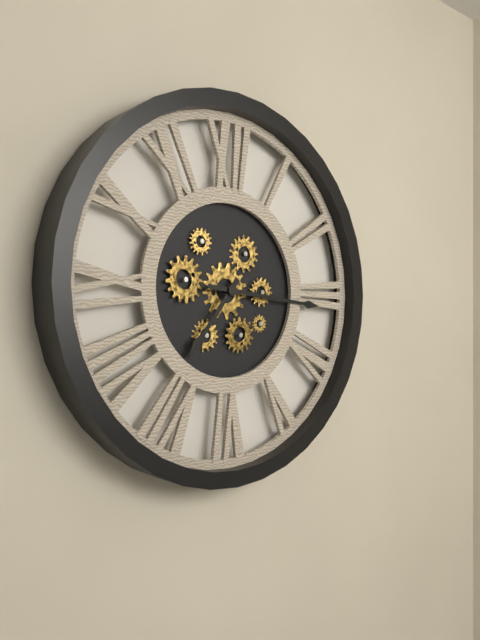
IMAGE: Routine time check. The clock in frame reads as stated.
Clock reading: 7:16
